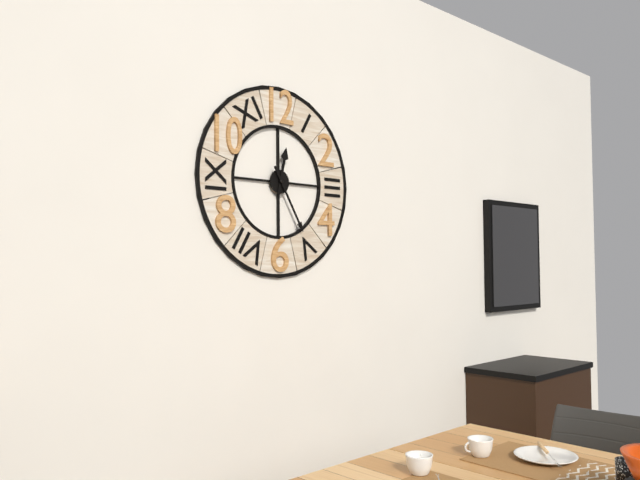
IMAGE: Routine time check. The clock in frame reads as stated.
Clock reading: 12:25
